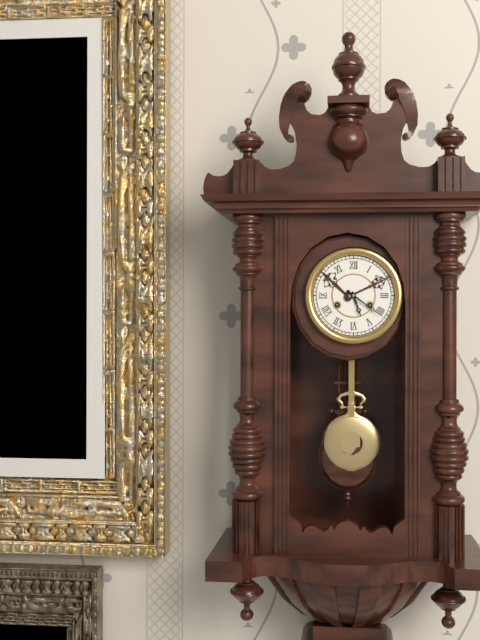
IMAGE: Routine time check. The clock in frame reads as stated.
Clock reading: 5:21
